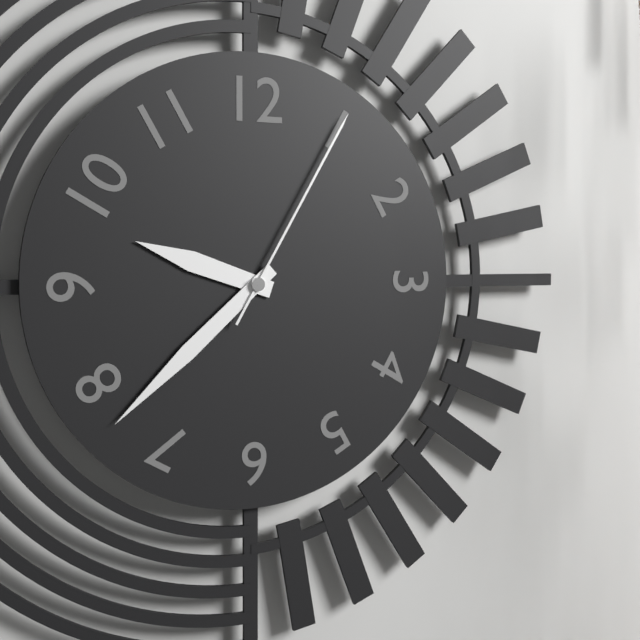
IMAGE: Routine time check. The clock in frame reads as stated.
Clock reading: 9:38:05
